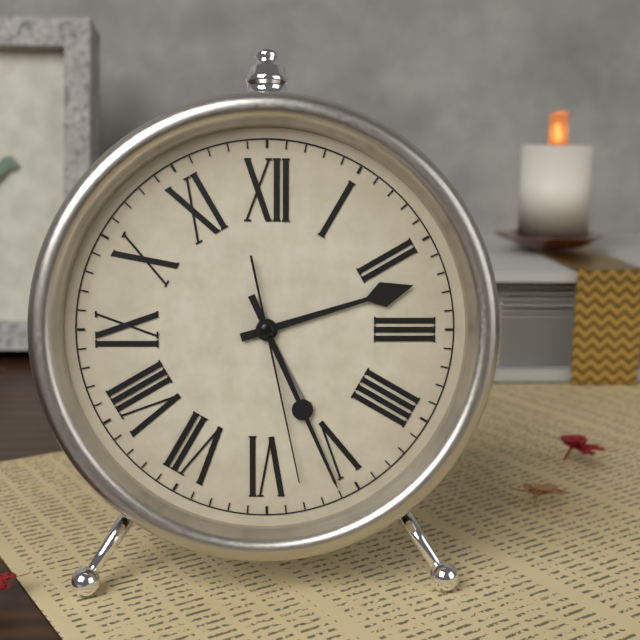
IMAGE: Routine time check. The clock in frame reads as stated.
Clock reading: 2:26:28
